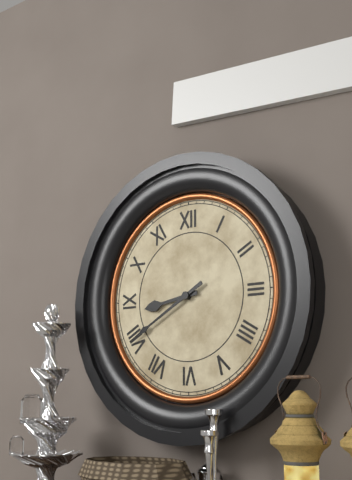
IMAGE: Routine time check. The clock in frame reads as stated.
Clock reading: 8:40
